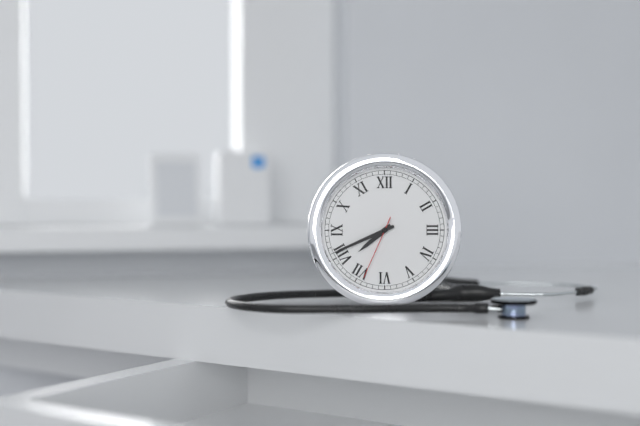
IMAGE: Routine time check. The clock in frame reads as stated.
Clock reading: 7:41:34
